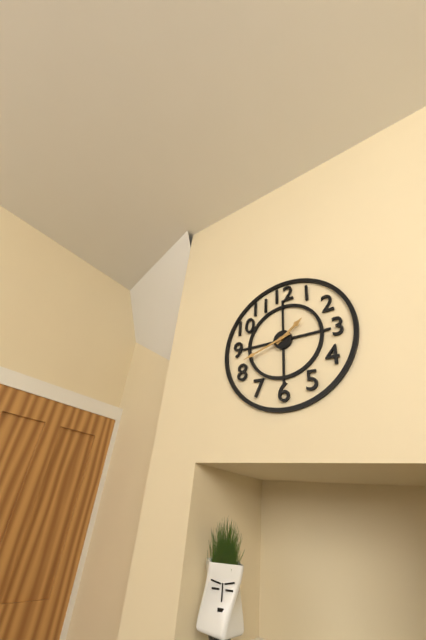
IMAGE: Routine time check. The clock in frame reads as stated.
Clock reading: 1:42
